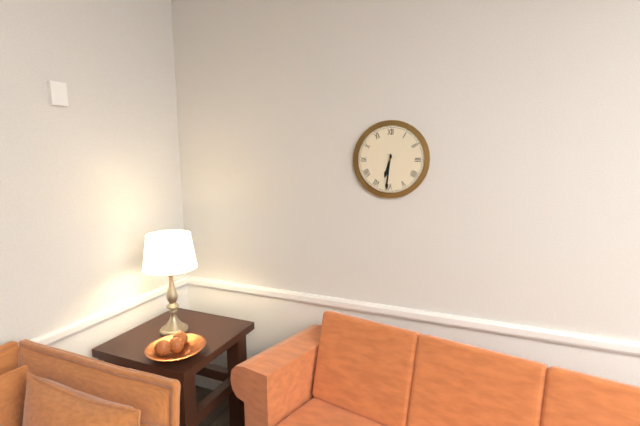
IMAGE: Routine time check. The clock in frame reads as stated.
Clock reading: 6:31
